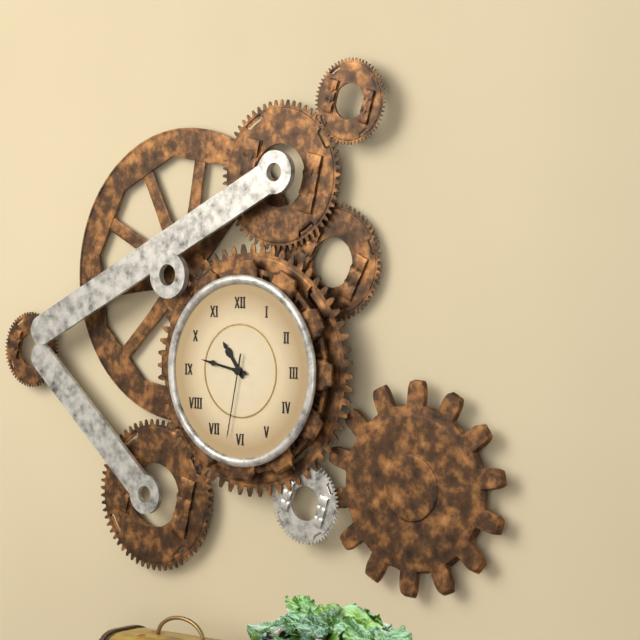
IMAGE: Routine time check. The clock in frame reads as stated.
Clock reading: 10:47:32
